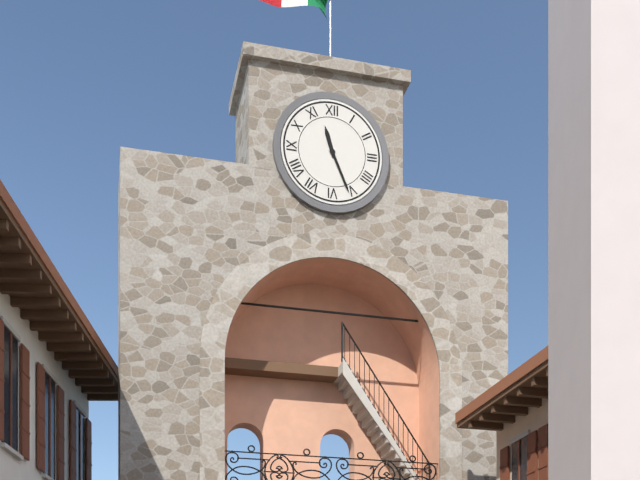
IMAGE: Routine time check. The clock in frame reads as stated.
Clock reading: 11:26
